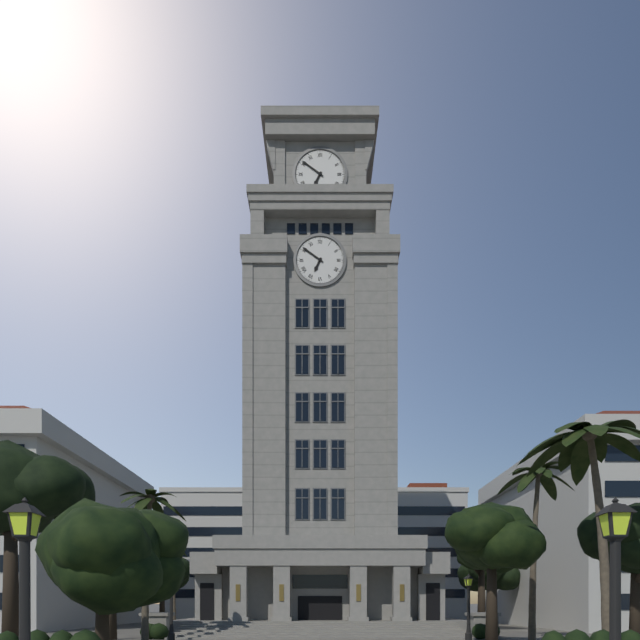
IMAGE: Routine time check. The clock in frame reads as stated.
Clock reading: 6:51
